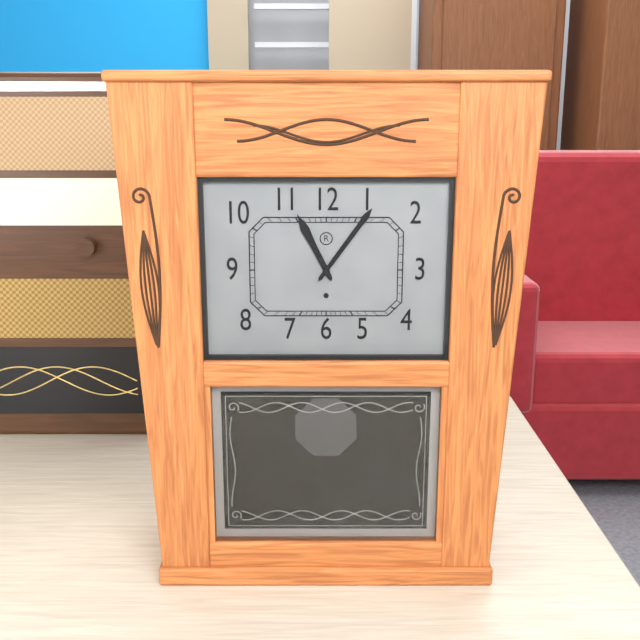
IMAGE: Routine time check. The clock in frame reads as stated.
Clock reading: 11:06
